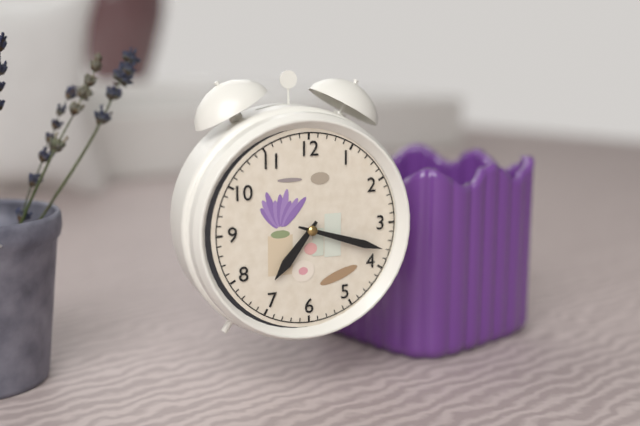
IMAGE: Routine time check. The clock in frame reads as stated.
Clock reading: 7:18
